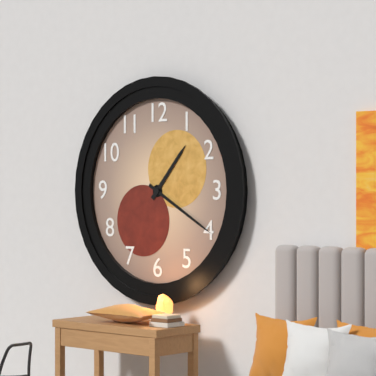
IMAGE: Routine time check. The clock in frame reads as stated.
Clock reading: 1:20
